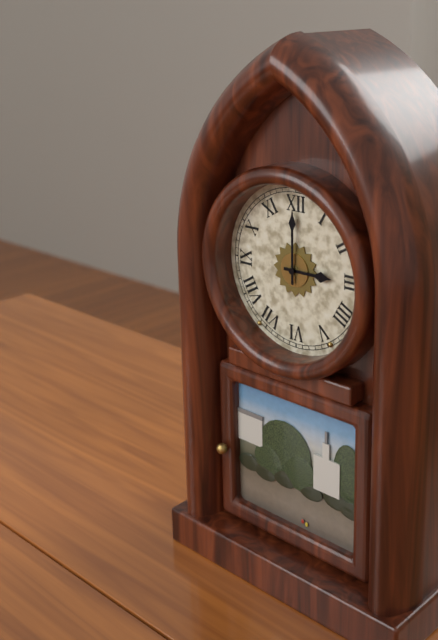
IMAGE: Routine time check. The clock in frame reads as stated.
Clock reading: 3:00
